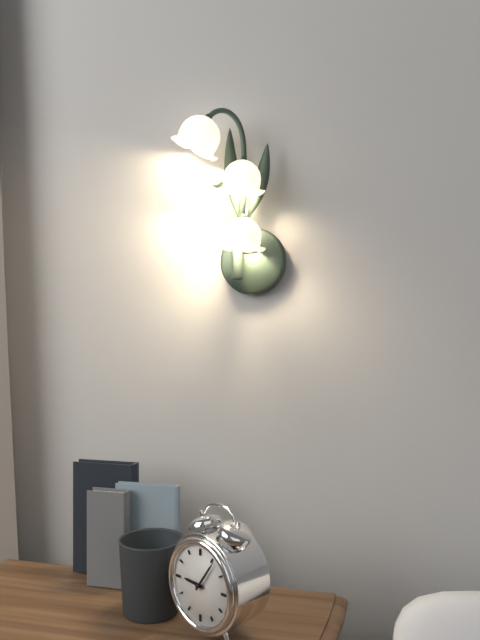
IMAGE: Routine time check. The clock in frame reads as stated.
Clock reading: 9:06
